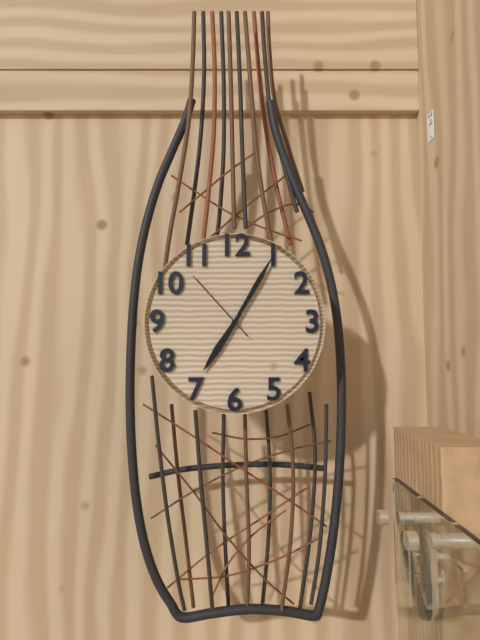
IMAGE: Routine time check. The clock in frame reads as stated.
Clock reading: 7:05:53
